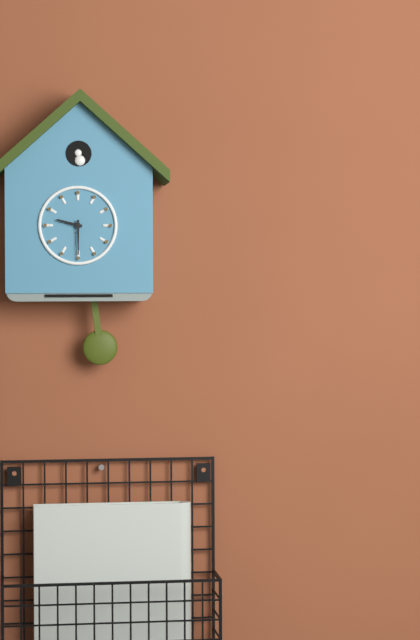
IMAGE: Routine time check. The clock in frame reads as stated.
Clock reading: 9:30
